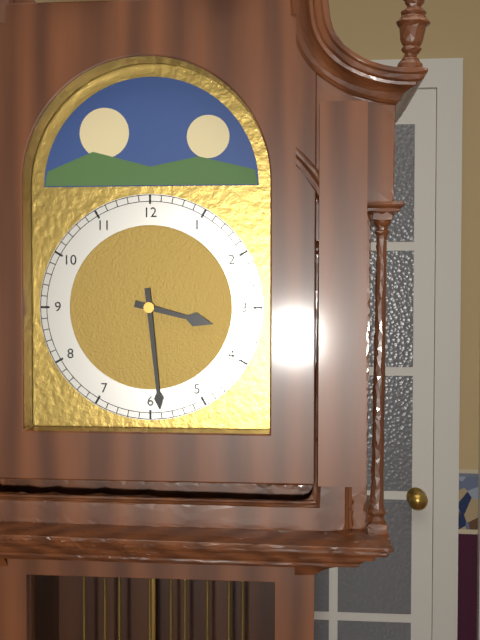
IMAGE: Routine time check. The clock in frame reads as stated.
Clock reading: 3:29
